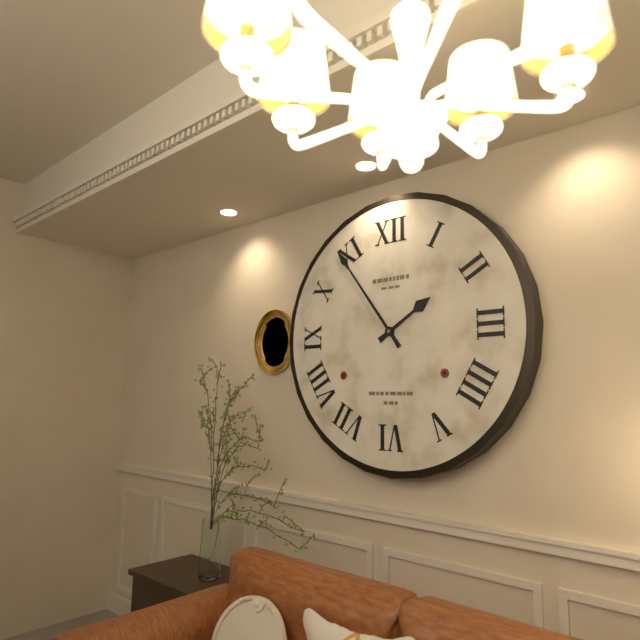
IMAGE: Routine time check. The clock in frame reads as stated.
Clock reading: 1:54
